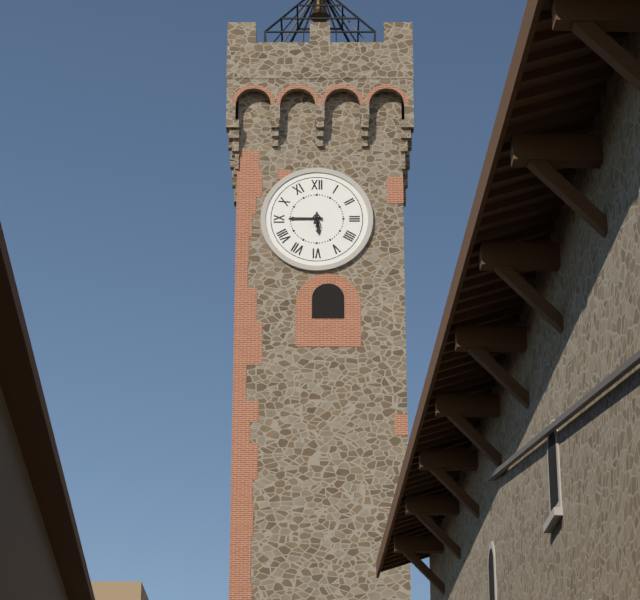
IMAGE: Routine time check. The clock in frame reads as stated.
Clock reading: 5:45
